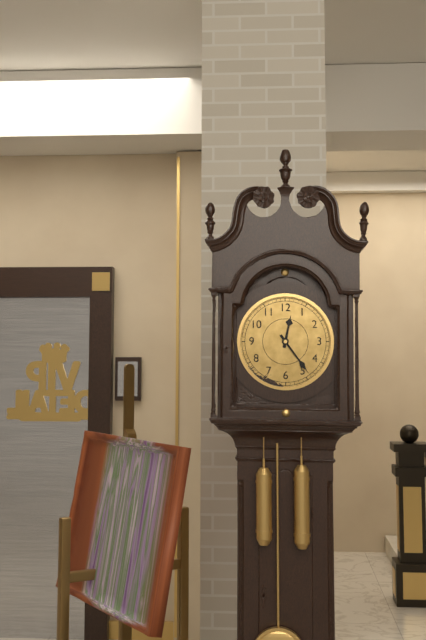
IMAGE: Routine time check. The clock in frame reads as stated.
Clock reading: 12:24
